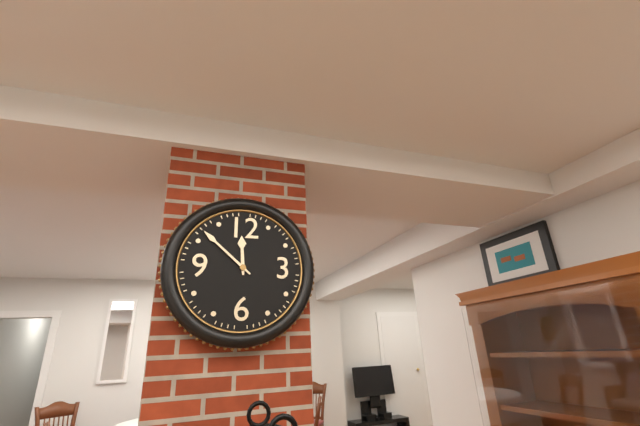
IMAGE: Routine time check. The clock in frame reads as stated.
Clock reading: 11:52
